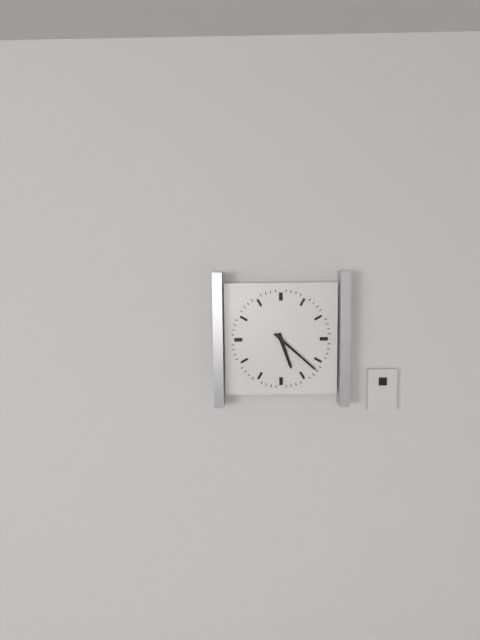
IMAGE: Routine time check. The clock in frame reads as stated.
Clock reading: 5:22
